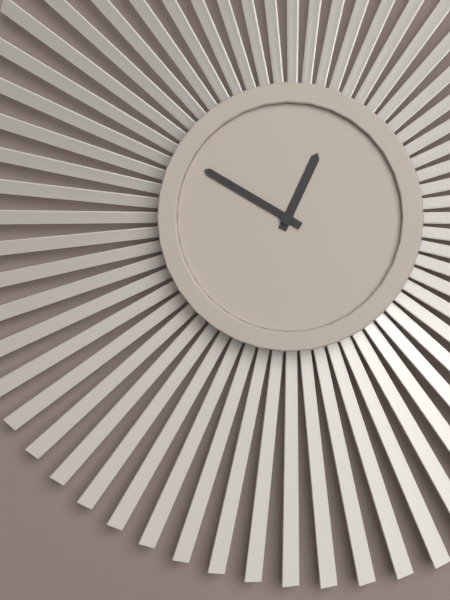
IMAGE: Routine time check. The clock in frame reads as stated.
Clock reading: 12:50
